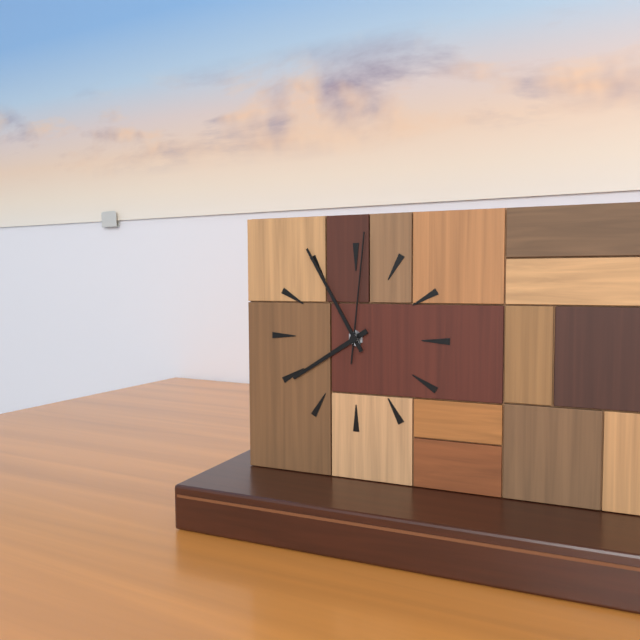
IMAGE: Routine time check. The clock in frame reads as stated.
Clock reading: 7:55:01
